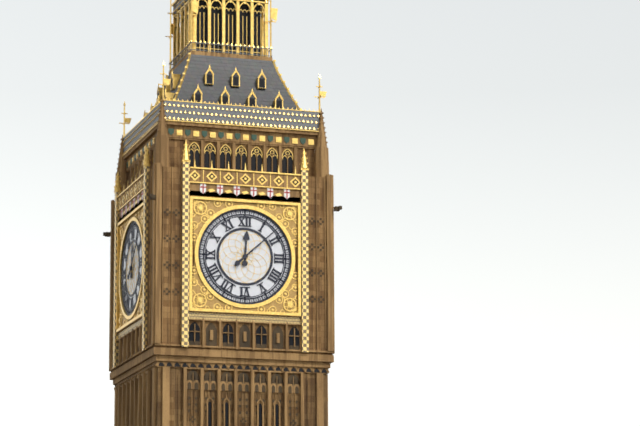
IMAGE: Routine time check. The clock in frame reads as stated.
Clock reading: 12:08
